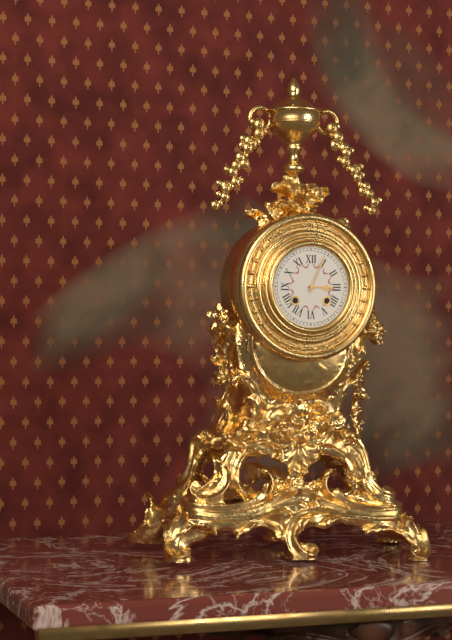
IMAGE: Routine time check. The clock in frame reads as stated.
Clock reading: 3:04
